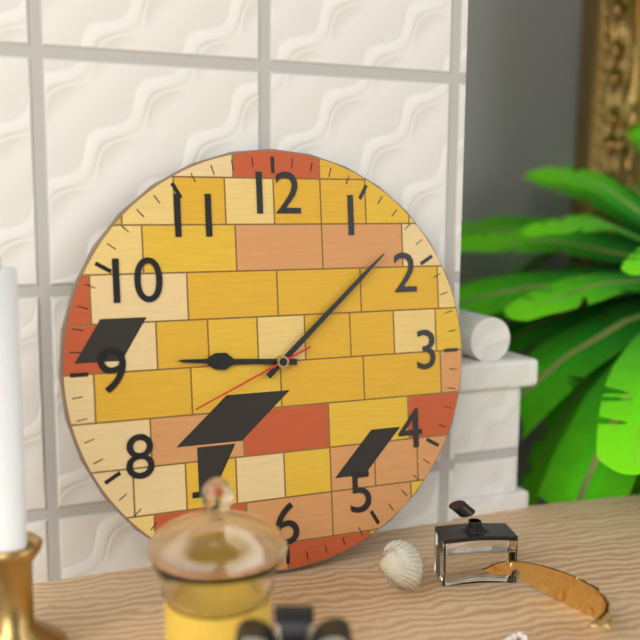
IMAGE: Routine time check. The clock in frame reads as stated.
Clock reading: 9:08:41
